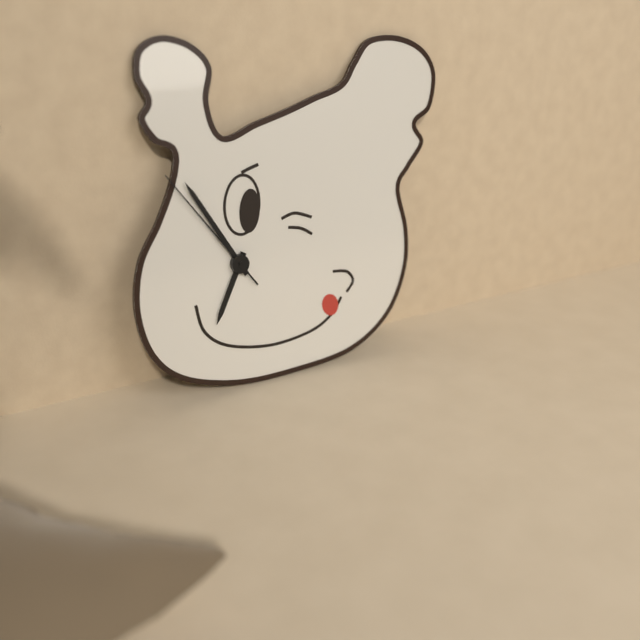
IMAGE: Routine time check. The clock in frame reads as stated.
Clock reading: 6:55:54
